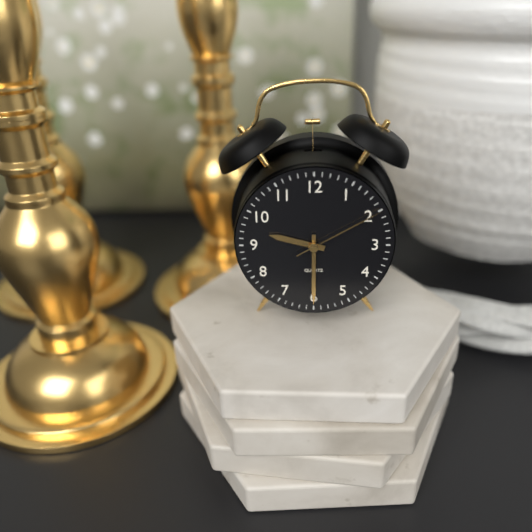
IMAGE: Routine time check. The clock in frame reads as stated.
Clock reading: 9:30:10
